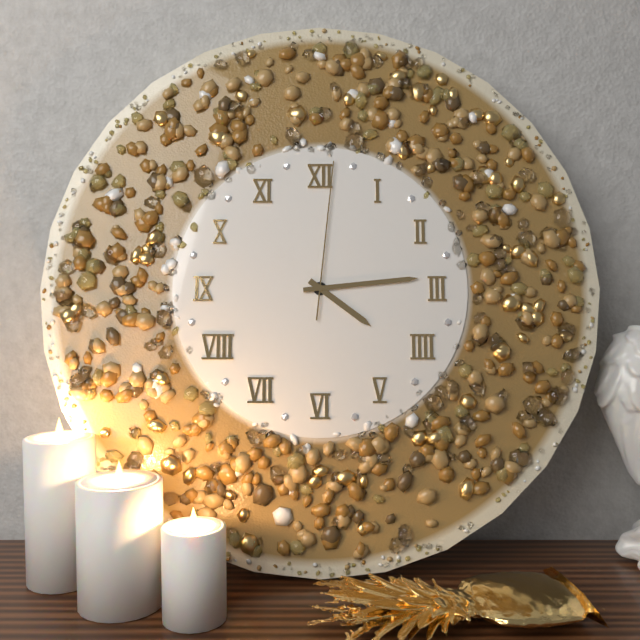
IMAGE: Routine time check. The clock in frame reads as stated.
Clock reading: 4:14:01
